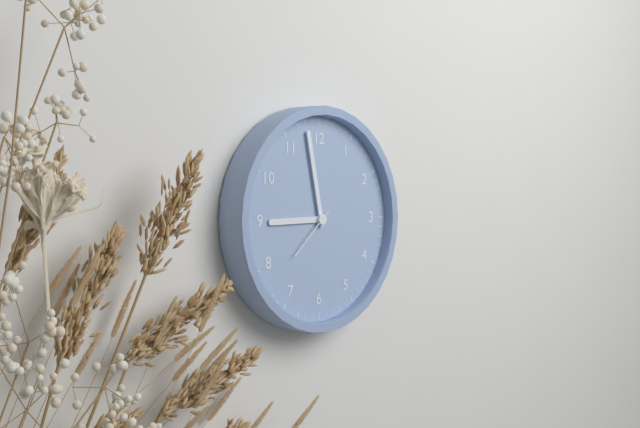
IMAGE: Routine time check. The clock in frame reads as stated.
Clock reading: 8:58:38
